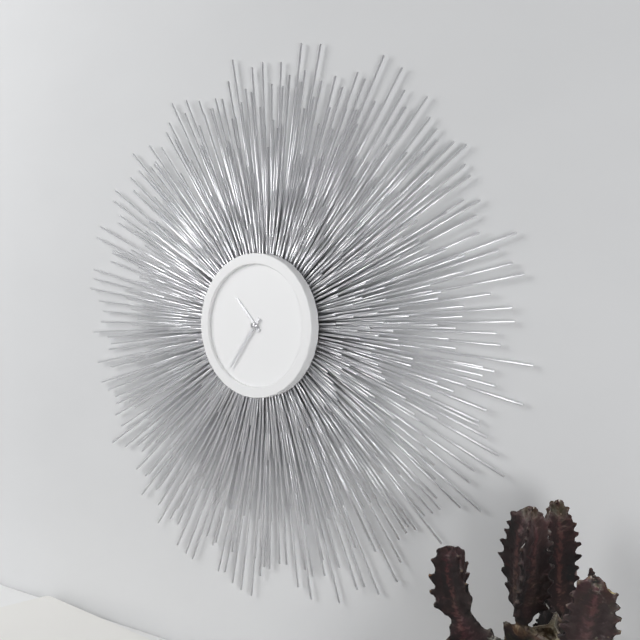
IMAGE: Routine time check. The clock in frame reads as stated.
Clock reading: 10:36
